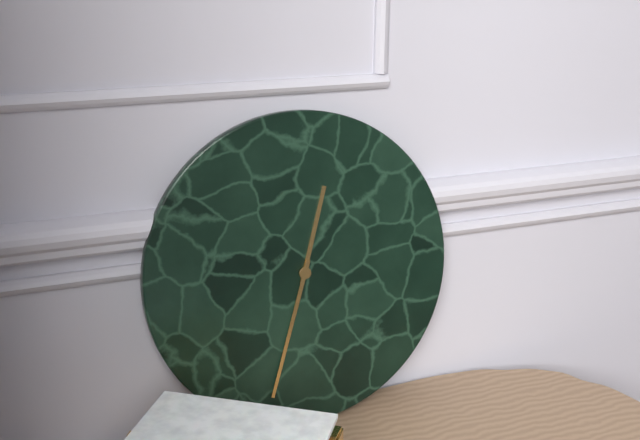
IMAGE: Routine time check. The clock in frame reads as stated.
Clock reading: 12:33
